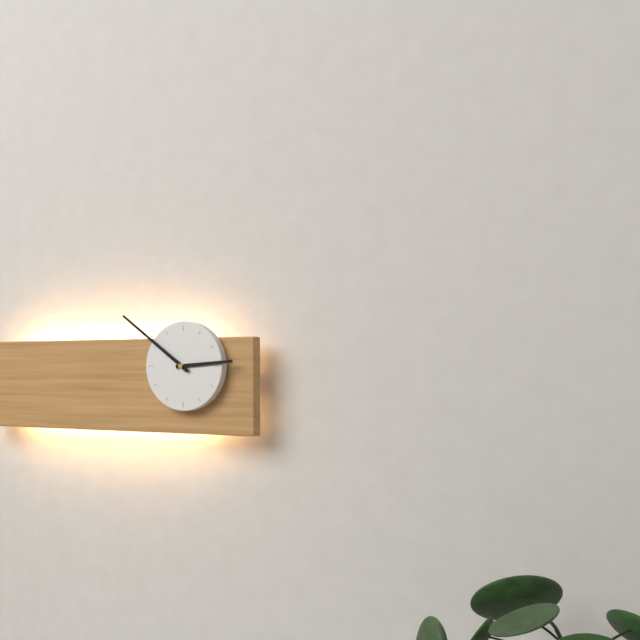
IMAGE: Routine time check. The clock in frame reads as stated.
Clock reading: 2:51
